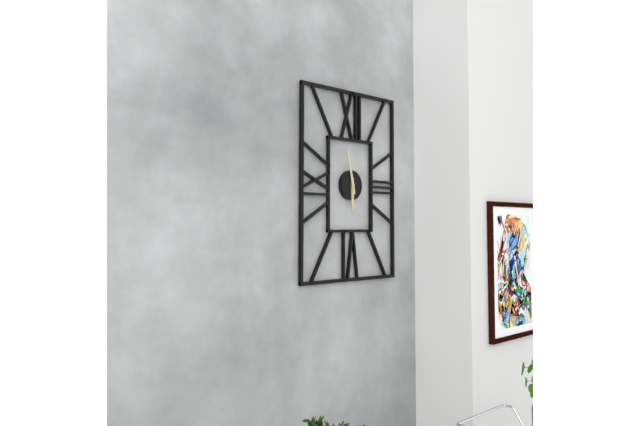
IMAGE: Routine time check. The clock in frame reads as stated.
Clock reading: 5:58
